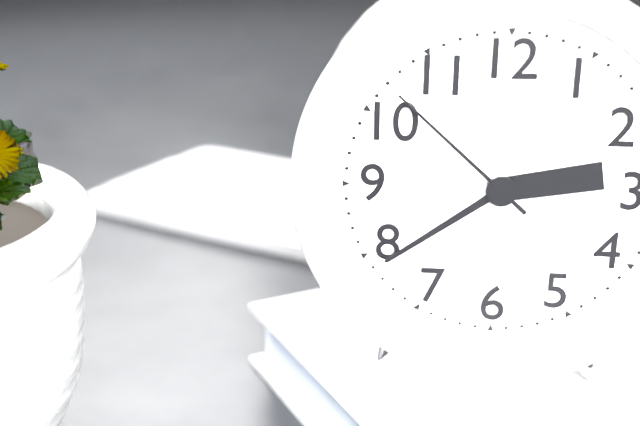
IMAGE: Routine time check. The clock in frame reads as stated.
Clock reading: 2:39:52
